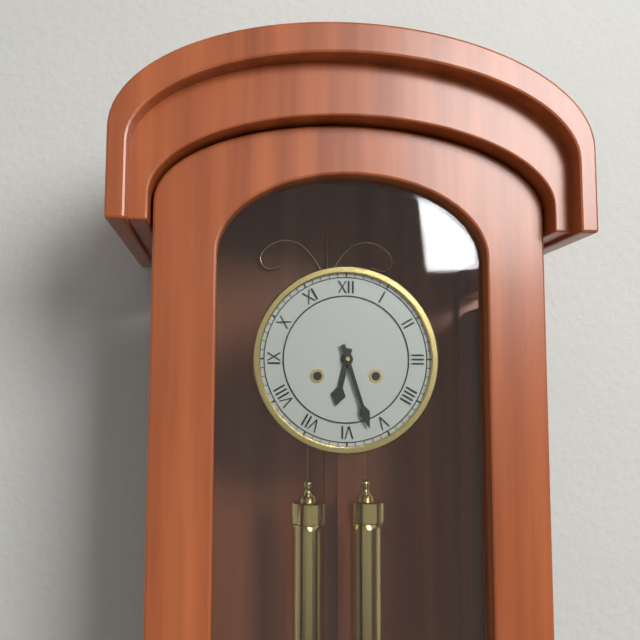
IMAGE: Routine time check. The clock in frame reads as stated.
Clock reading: 6:27
